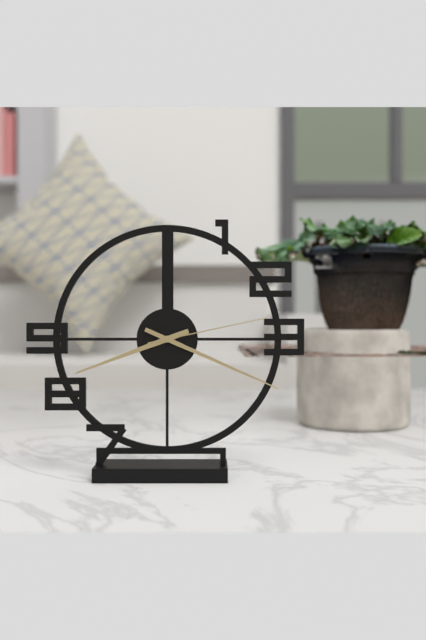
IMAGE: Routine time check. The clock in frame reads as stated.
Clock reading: 8:19:13
